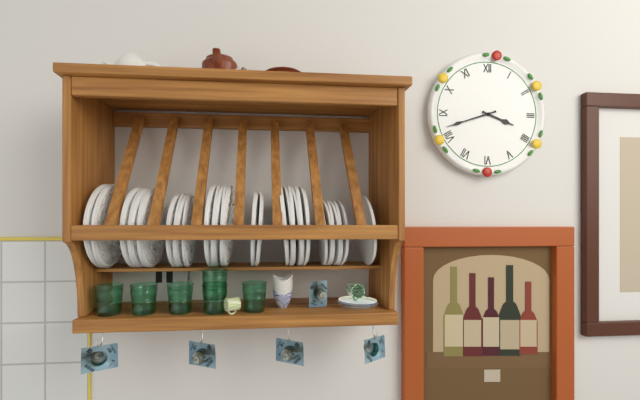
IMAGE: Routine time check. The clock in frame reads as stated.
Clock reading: 3:42
